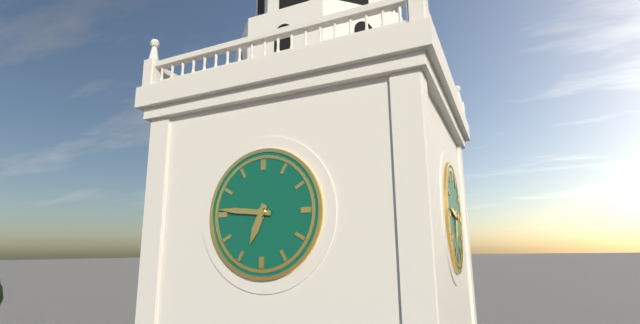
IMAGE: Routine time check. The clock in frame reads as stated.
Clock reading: 6:46
